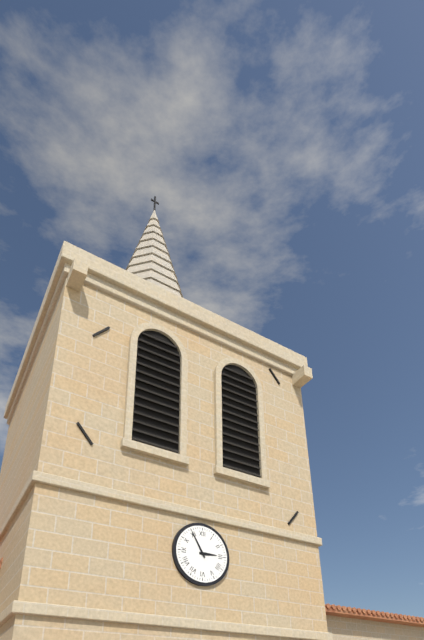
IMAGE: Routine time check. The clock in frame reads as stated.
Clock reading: 2:55
